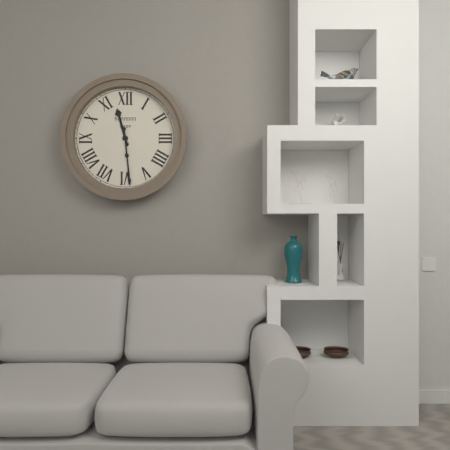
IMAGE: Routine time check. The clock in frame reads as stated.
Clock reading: 11:29
